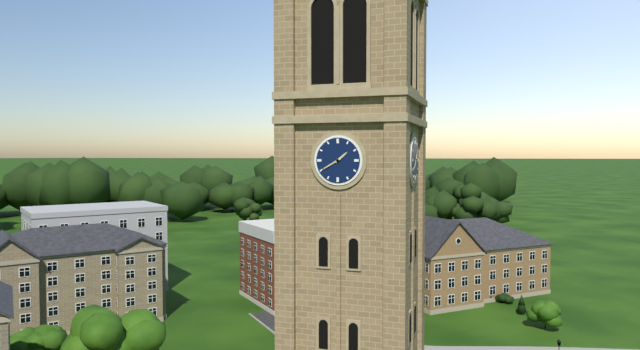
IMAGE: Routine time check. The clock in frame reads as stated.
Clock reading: 1:40
